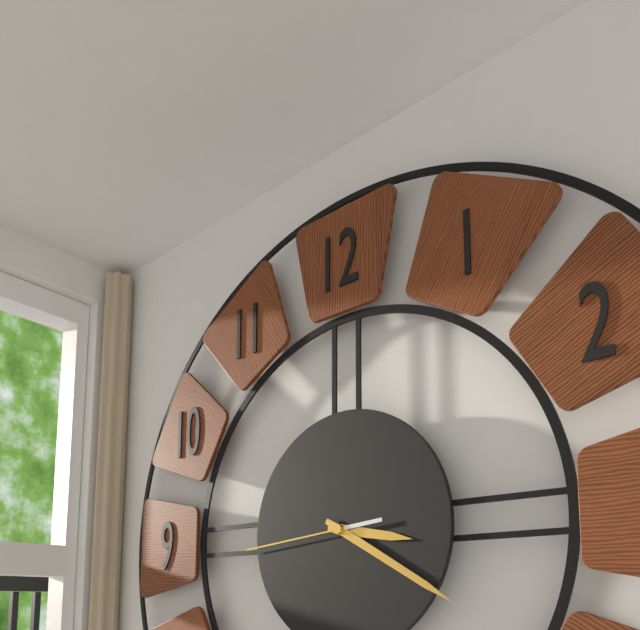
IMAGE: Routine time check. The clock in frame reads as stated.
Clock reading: 3:20:44
